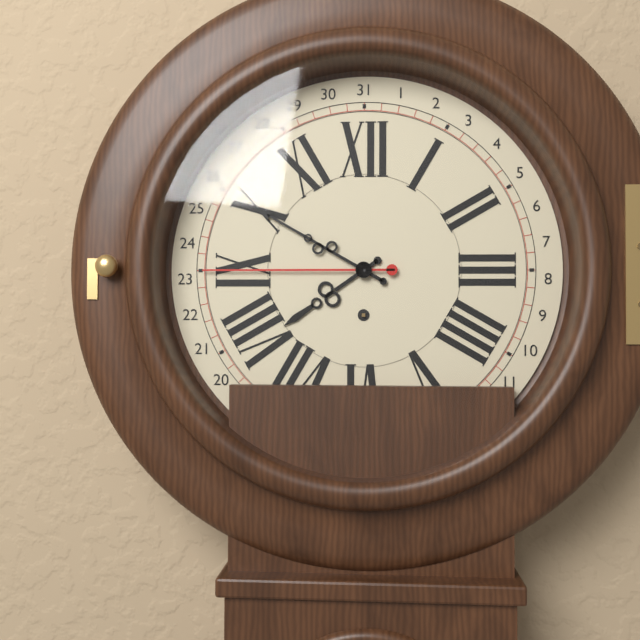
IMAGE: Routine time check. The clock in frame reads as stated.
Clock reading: 7:50:45
